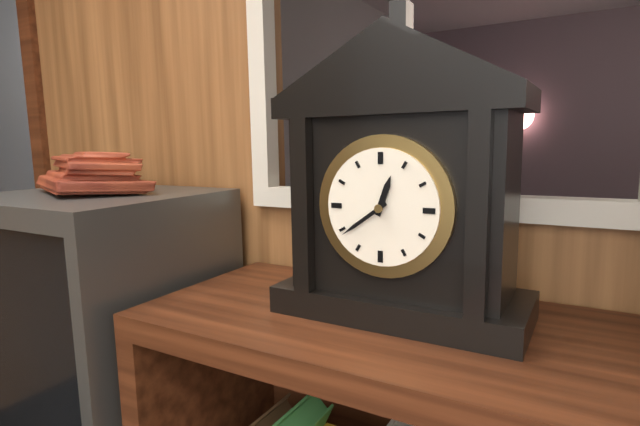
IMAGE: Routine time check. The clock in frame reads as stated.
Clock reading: 12:39
